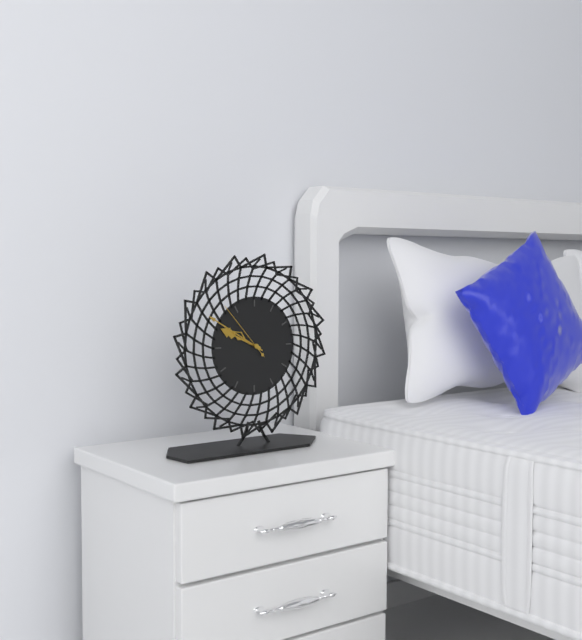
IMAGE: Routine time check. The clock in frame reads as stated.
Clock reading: 9:50:53
